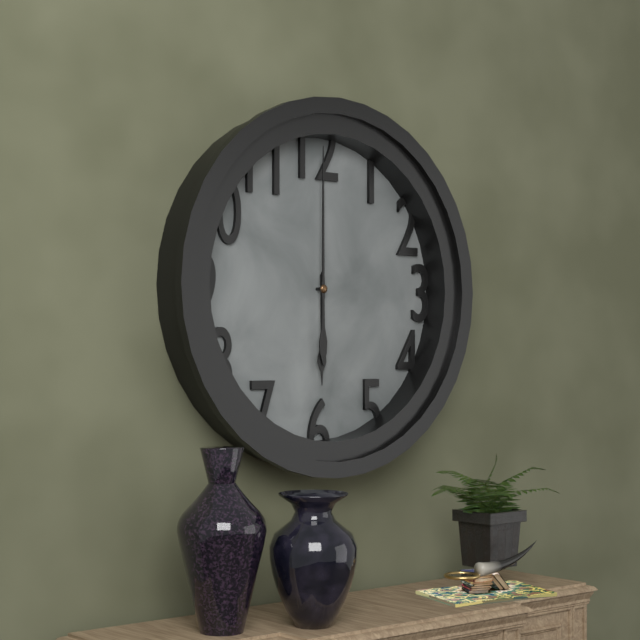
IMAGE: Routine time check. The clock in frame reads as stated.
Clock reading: 6:00
